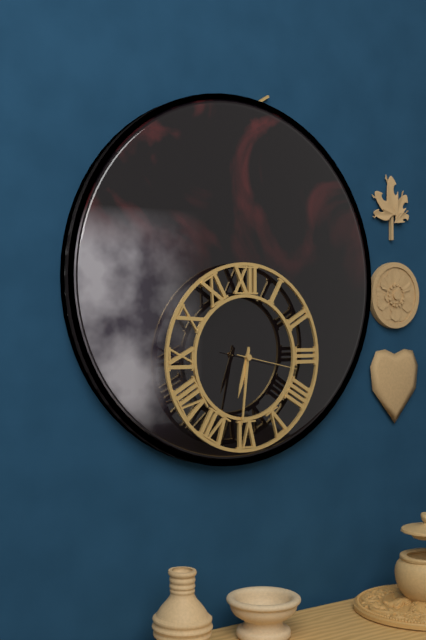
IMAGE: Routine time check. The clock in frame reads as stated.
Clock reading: 6:31:17
